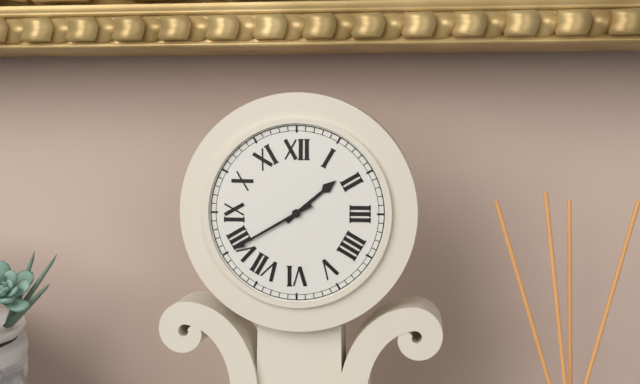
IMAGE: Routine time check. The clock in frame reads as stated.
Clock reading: 1:40
